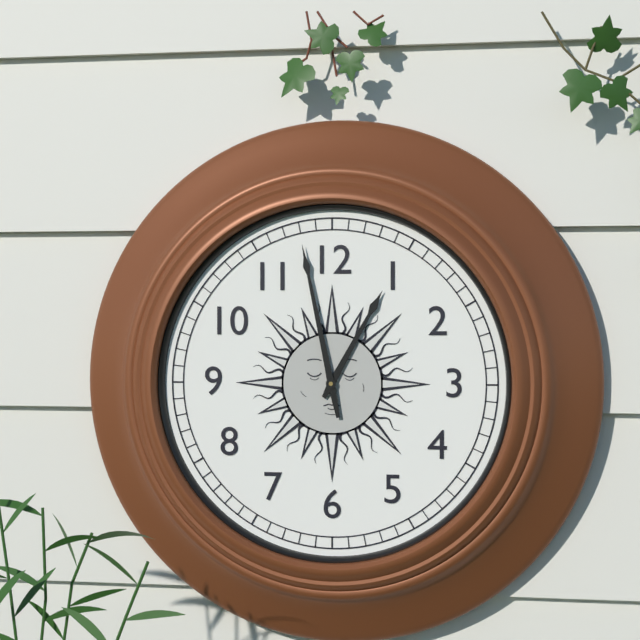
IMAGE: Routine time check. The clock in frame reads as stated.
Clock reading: 12:58
